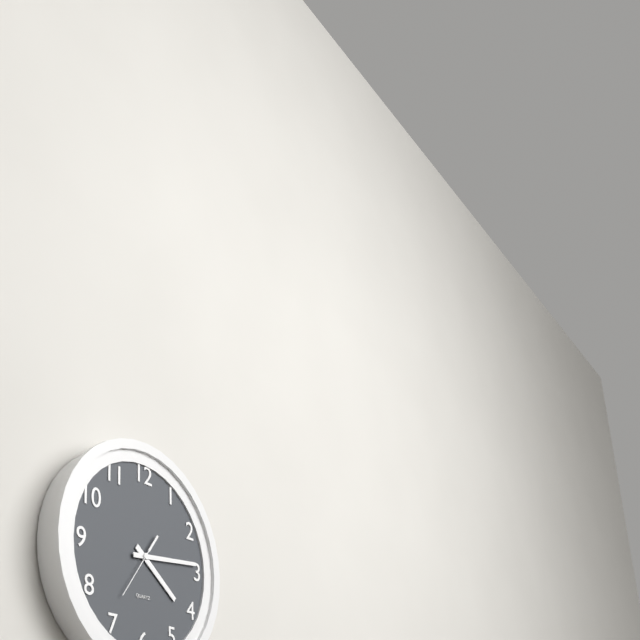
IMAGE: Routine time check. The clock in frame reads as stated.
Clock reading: 4:14:36
